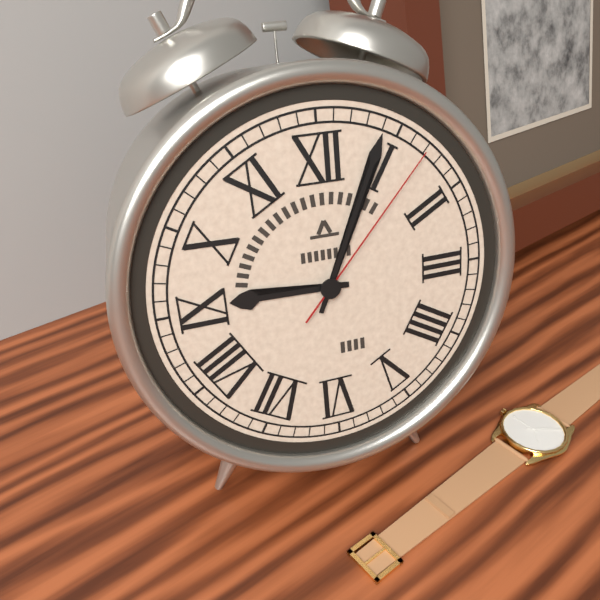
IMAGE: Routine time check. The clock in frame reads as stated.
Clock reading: 9:04:07
